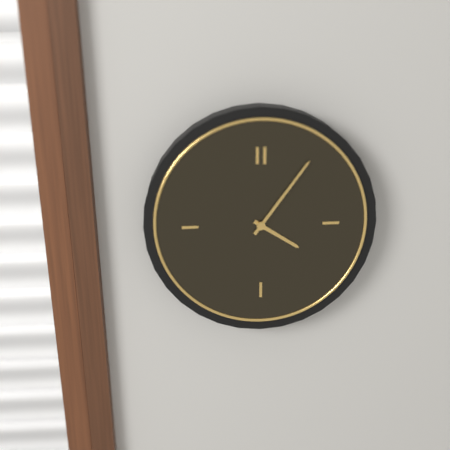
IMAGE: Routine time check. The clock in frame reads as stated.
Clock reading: 4:06
